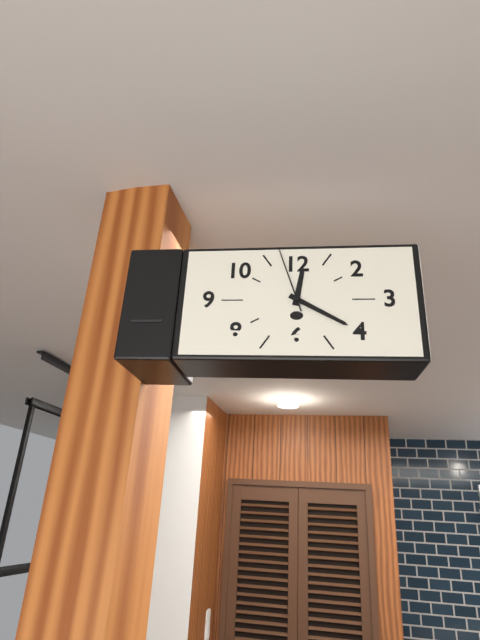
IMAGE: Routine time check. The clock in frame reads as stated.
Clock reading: 12:20:57
